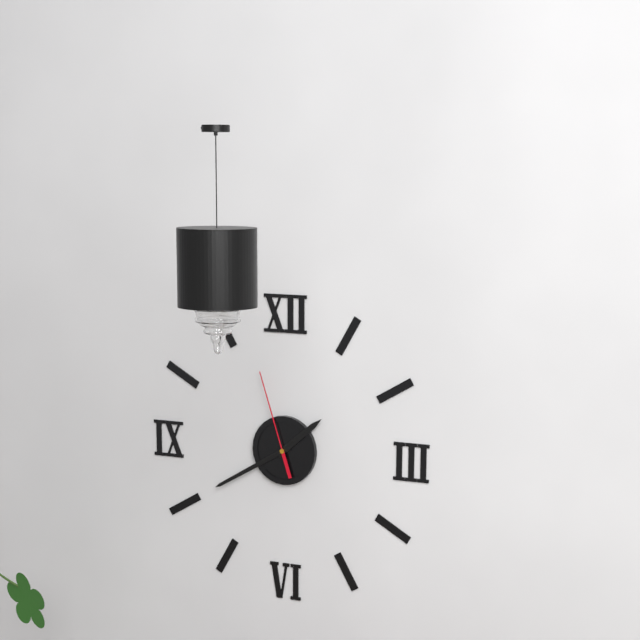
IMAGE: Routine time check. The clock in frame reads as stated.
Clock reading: 1:40:57
